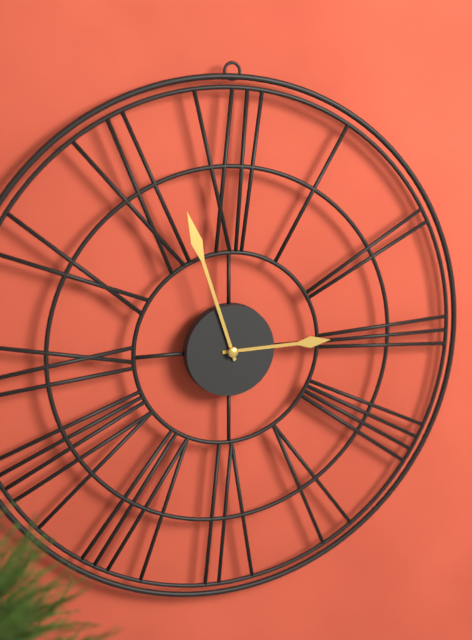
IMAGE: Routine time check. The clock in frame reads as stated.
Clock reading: 2:57
